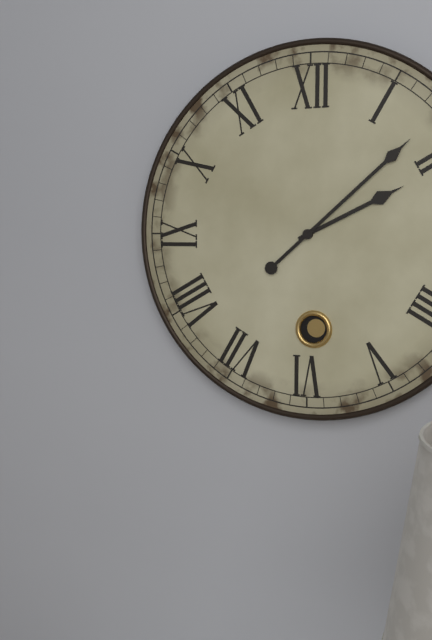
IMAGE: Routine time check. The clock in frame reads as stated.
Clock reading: 2:08
